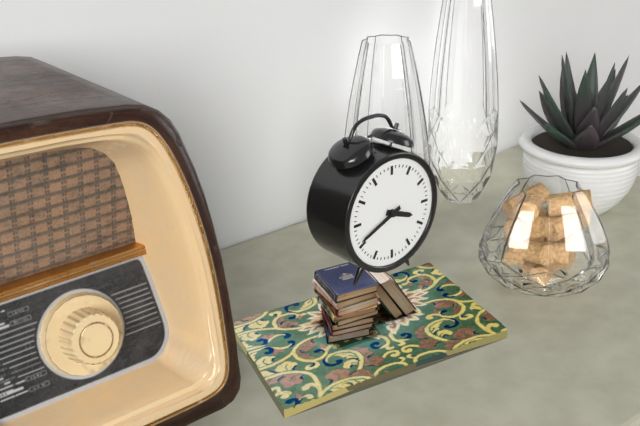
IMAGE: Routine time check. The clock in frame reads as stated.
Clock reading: 3:41
